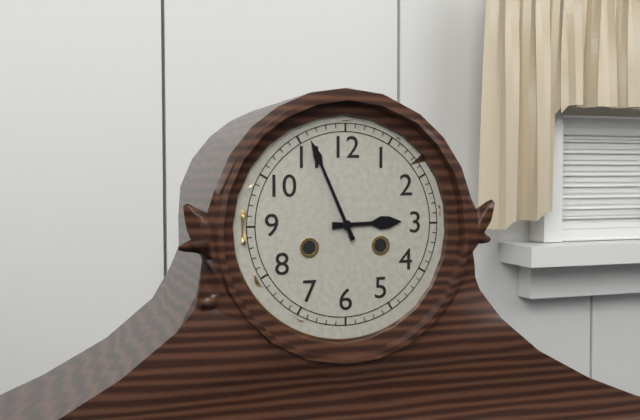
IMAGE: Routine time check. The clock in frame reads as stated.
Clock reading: 2:56
